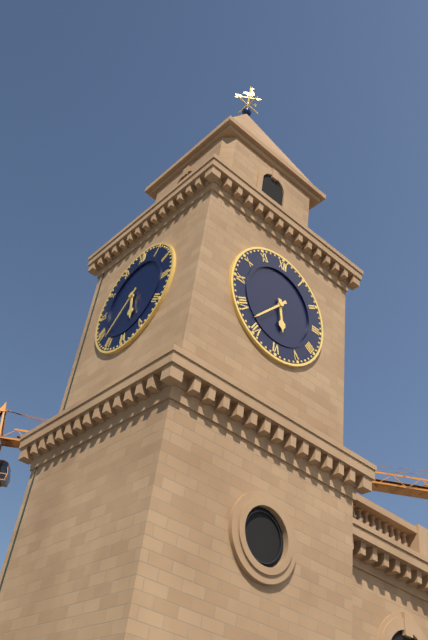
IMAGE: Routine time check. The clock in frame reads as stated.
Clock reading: 5:37
